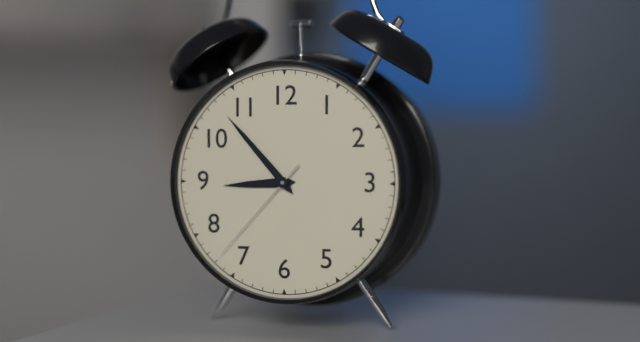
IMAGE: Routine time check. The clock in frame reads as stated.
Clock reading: 8:53:37
